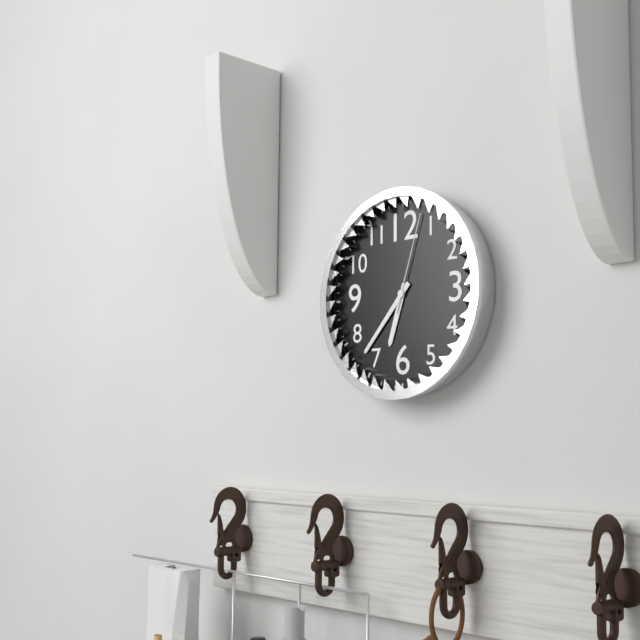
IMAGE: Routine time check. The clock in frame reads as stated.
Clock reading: 6:37:03
